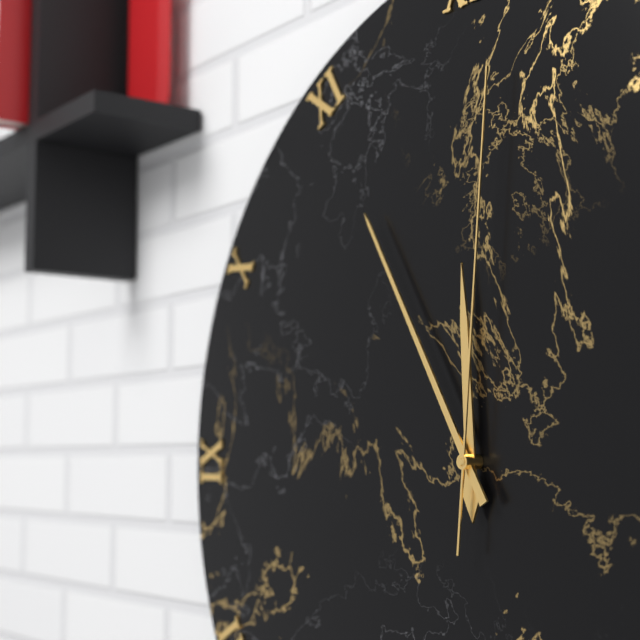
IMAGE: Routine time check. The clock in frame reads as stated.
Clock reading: 11:55:01
